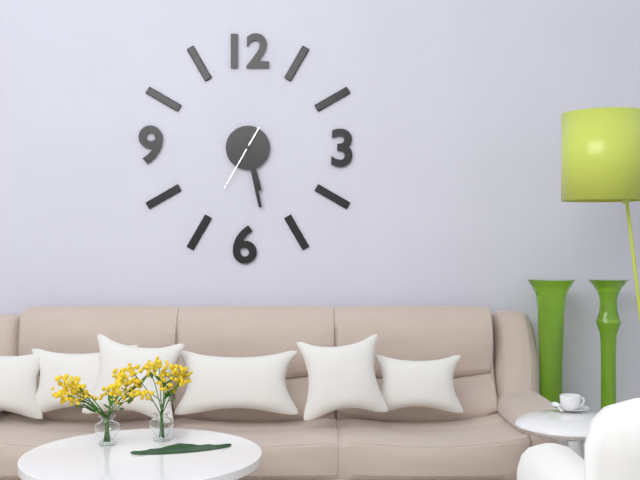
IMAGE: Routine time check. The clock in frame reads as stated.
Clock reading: 5:28:35
